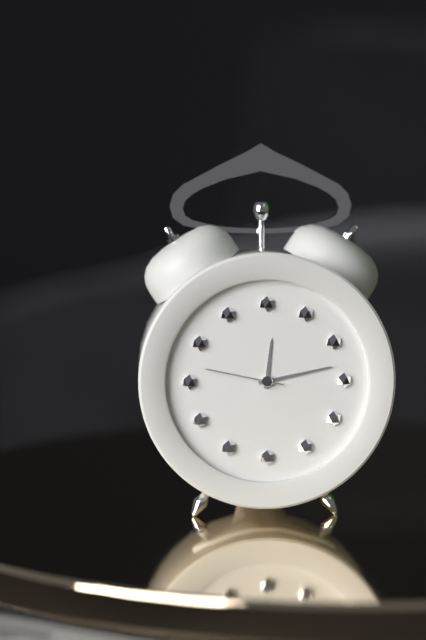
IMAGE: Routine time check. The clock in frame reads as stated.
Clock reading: 12:13:47
